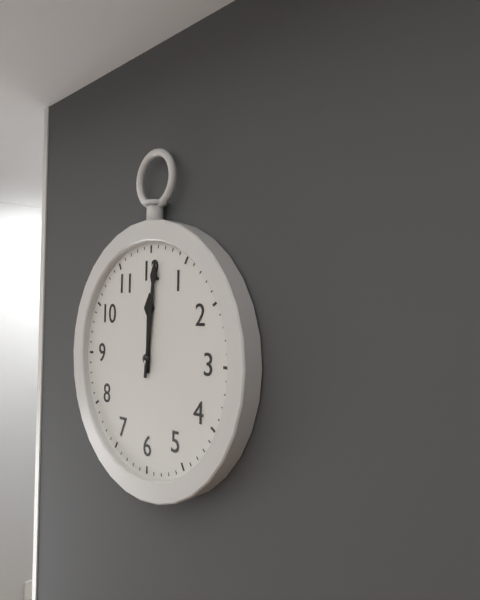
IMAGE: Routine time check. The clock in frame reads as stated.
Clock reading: 12:01
